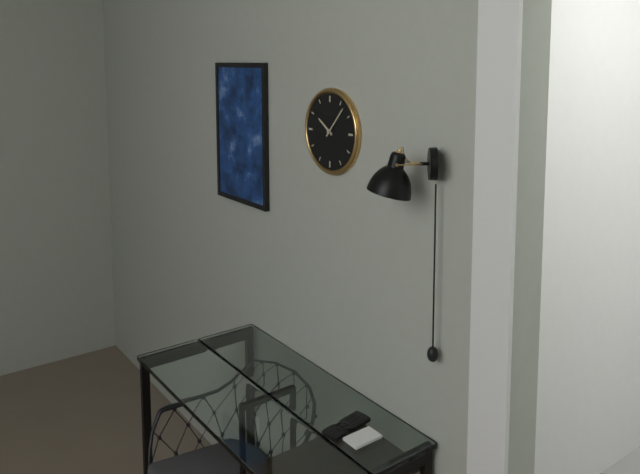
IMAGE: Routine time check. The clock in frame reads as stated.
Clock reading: 10:07
